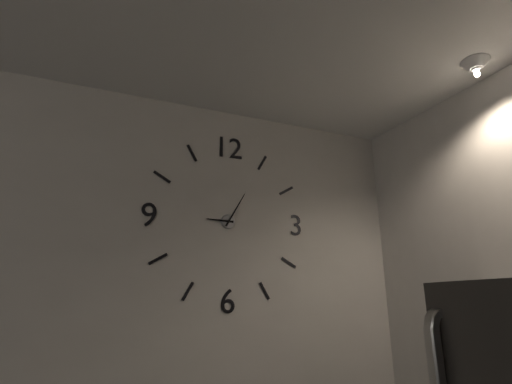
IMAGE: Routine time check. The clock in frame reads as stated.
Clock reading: 9:05
